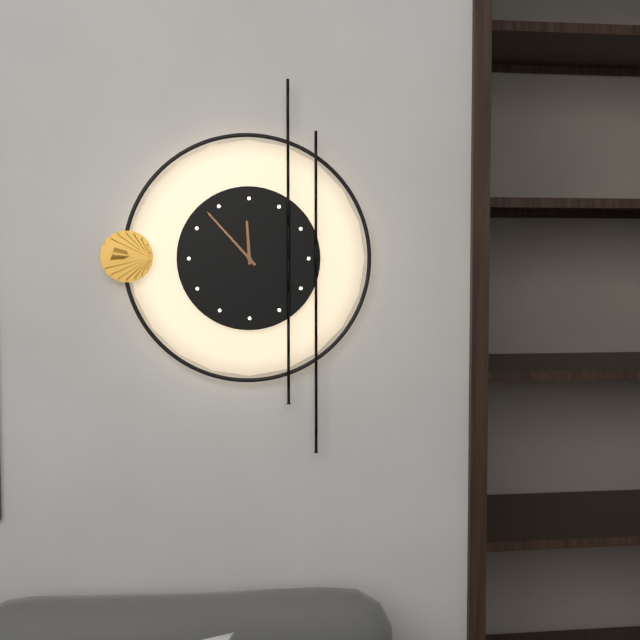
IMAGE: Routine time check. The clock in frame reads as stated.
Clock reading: 11:53
